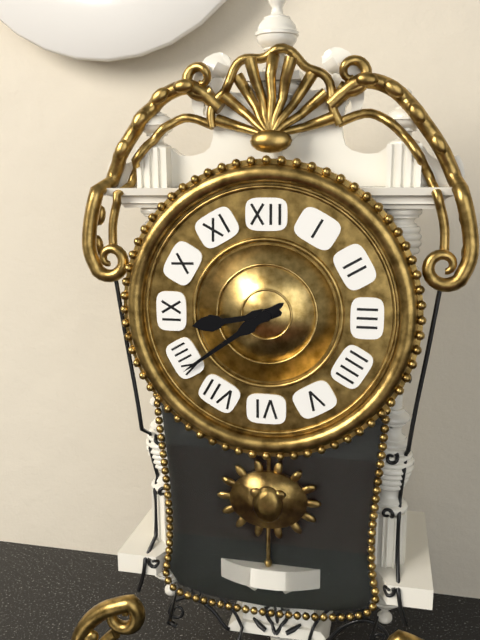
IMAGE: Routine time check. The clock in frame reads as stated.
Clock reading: 8:39
